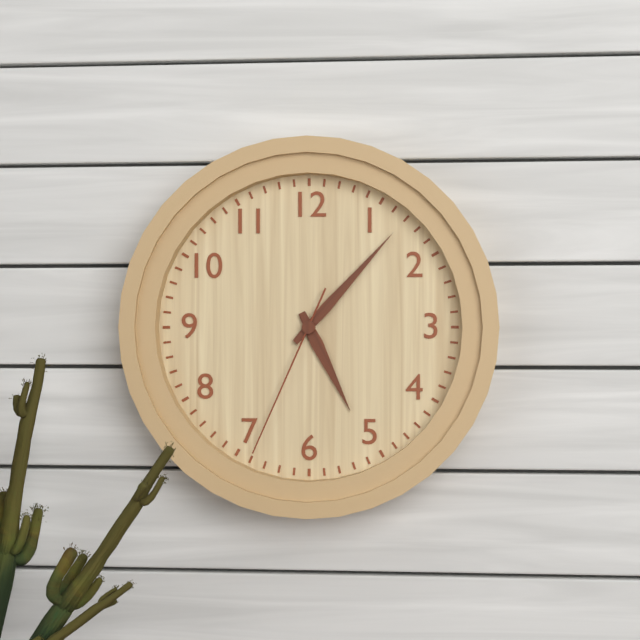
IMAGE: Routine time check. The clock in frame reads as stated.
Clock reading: 5:07:34
